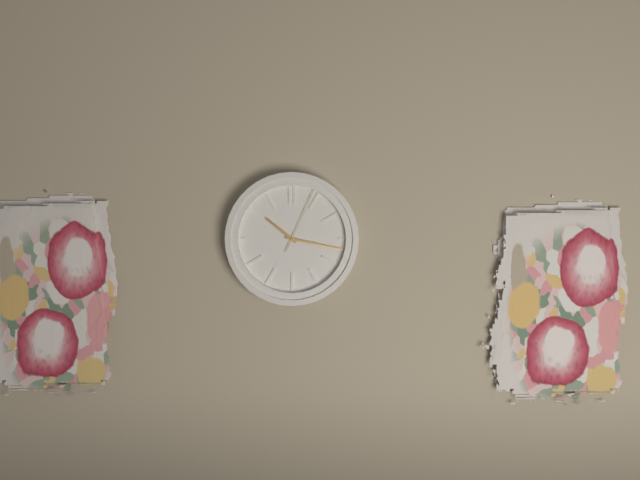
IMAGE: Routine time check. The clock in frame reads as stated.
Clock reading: 10:17:04
